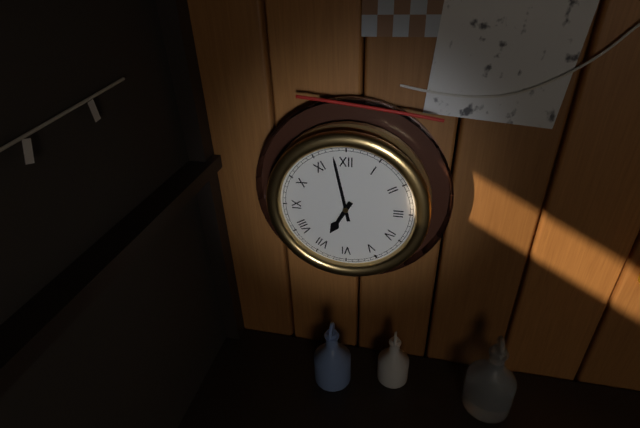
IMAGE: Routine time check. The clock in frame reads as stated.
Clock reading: 6:58
